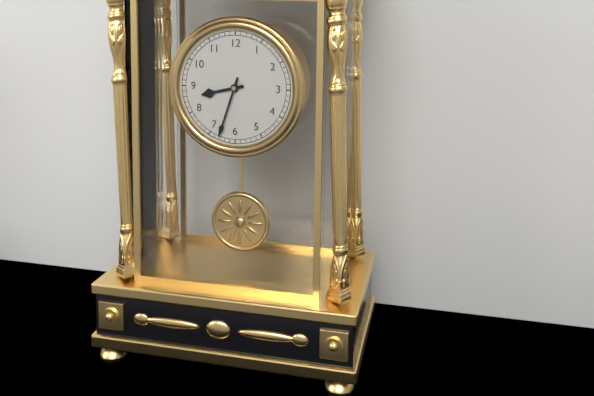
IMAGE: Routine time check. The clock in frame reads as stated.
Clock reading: 8:33
